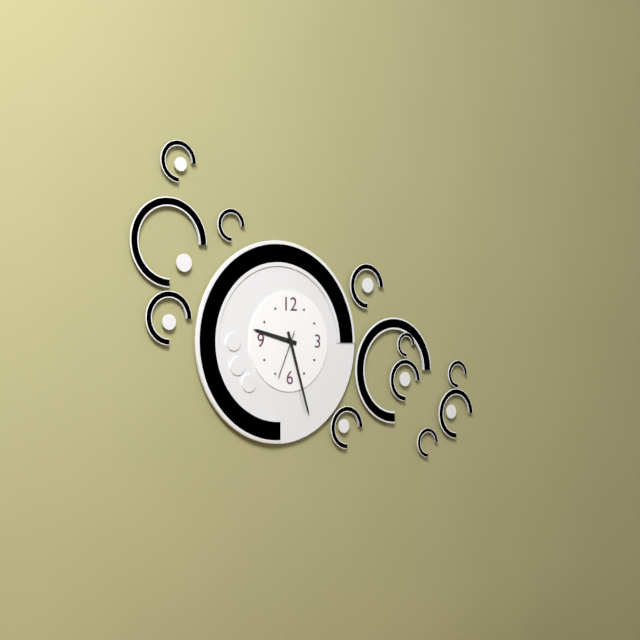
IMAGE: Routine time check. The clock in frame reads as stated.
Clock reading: 9:27
